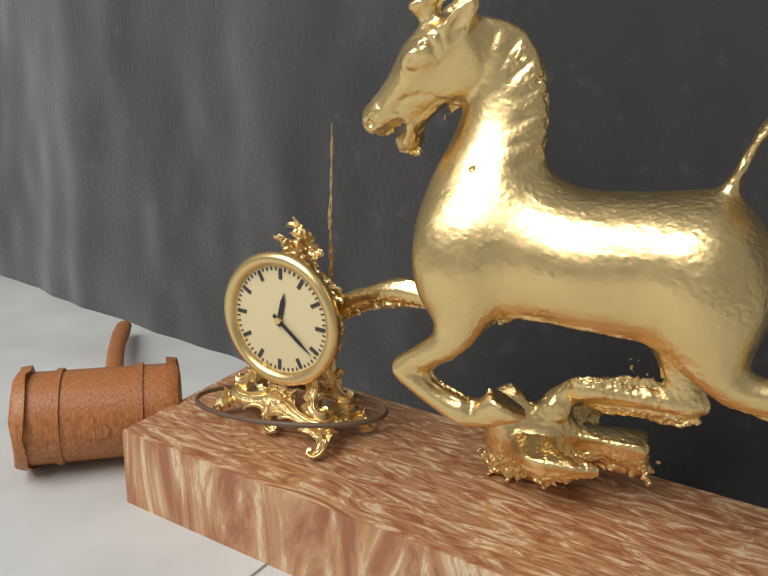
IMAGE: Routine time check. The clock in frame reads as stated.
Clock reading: 12:21
